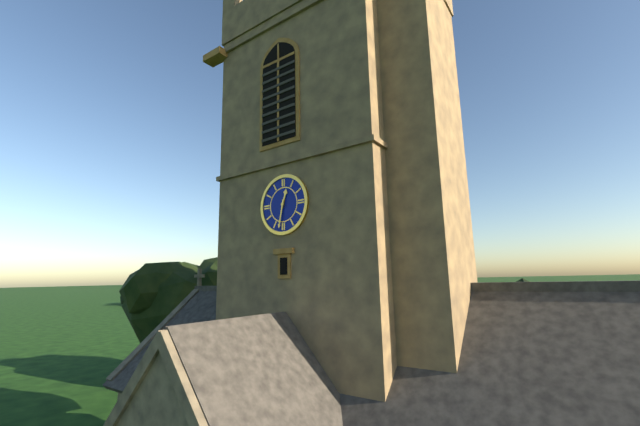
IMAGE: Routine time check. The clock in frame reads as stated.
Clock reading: 12:32
